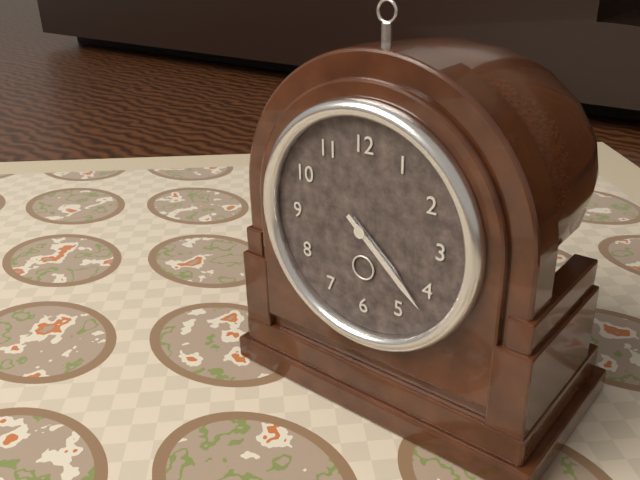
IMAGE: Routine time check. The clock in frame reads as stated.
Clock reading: 4:22
